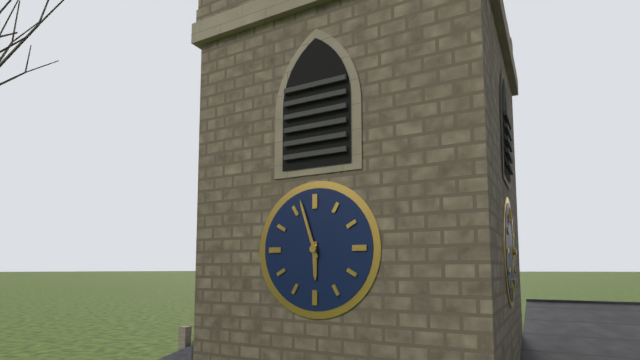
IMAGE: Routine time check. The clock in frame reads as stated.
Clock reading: 5:57
